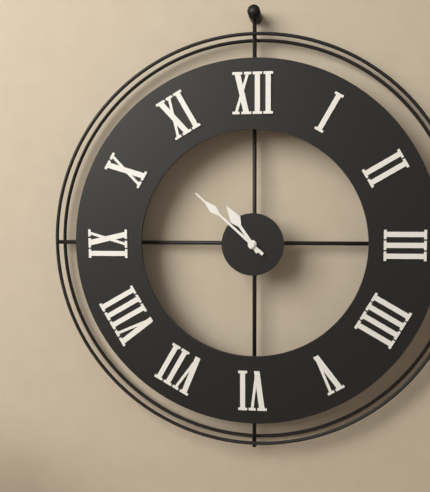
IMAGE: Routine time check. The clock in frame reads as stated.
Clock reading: 10:52
